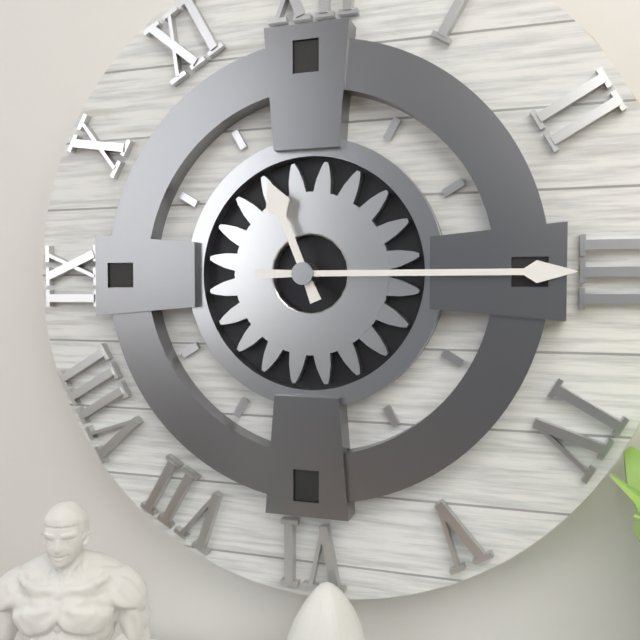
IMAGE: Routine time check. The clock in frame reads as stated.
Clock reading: 11:15
